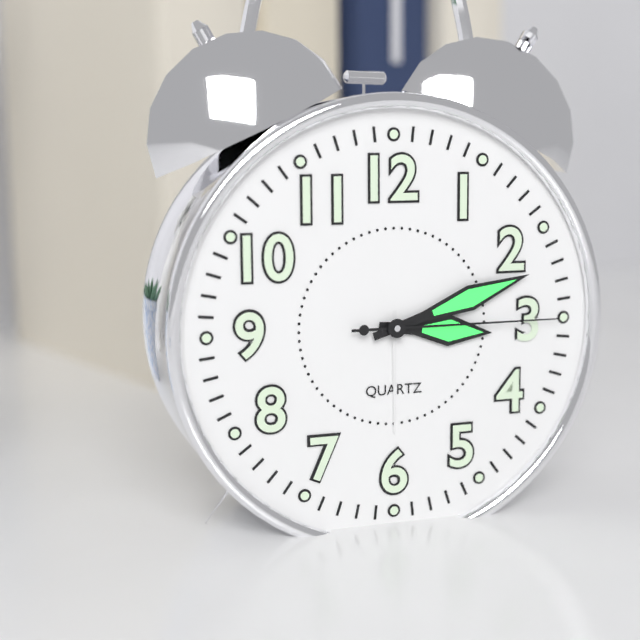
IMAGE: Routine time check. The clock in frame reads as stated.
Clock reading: 3:12:15
